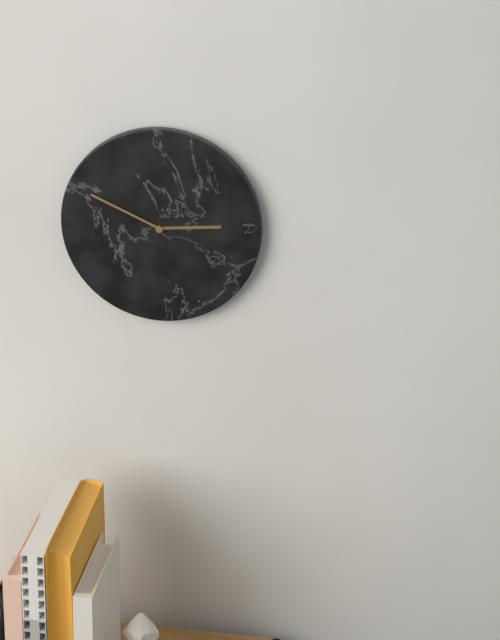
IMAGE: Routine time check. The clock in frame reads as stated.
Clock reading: 2:49
